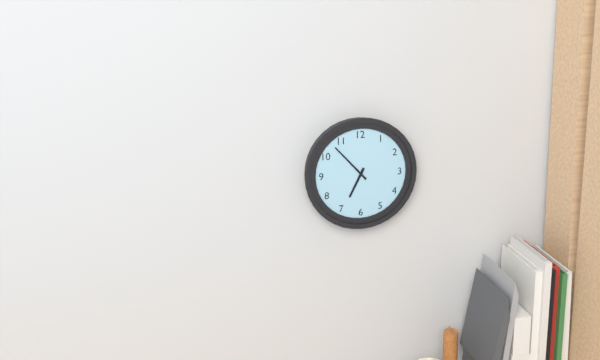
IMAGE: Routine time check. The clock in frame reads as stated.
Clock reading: 6:53
